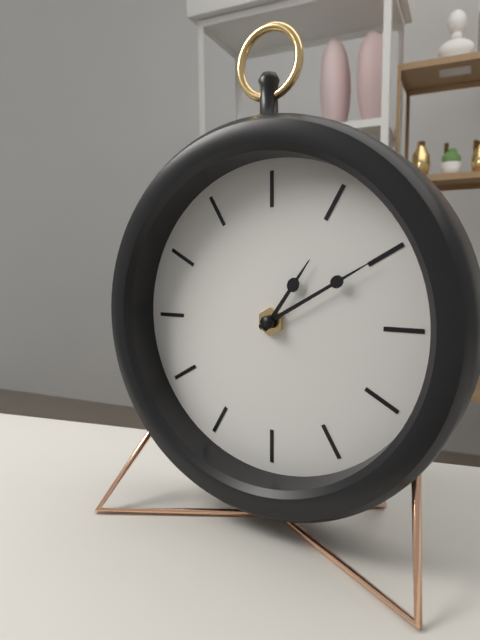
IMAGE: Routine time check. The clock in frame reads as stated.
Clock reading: 1:10
